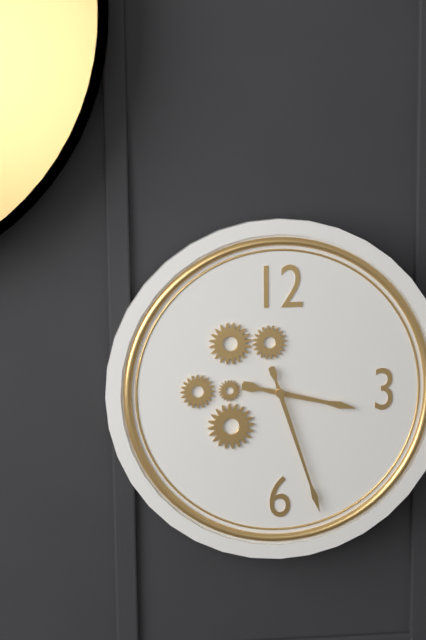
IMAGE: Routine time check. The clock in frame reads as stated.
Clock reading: 3:27
